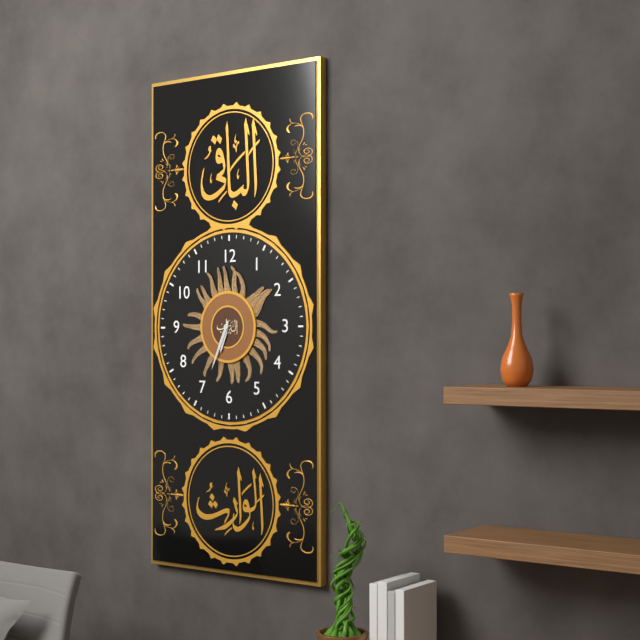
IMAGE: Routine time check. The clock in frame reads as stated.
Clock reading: 6:34
